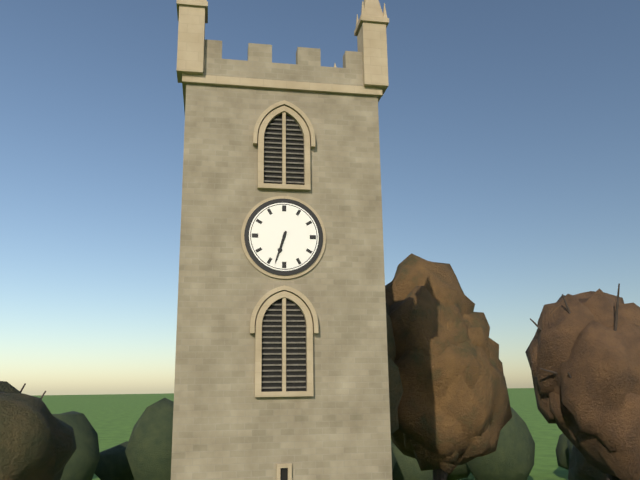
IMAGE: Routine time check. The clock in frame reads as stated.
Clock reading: 6:33
